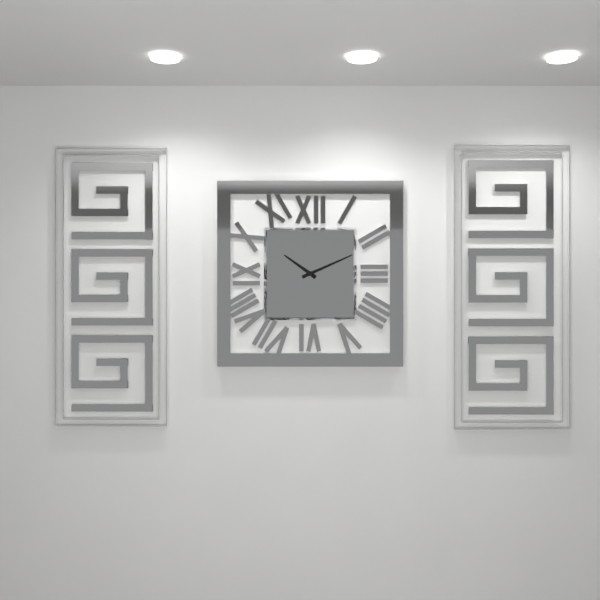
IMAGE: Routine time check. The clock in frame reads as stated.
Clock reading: 10:11
